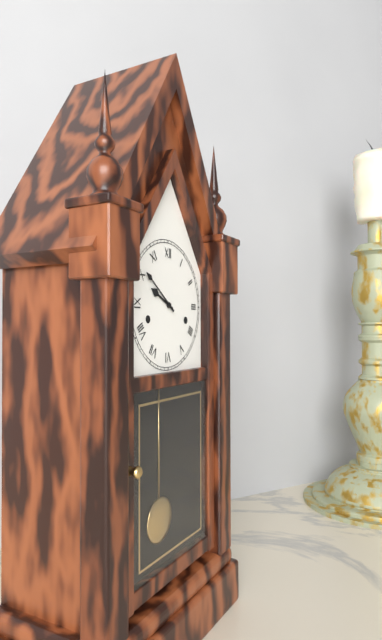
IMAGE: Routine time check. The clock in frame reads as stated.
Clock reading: 9:51
